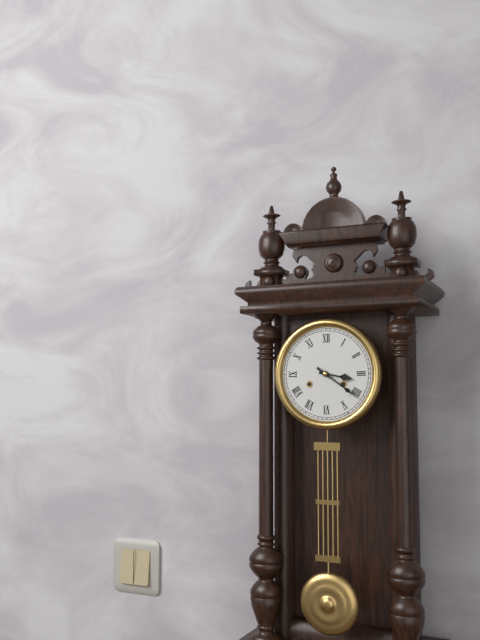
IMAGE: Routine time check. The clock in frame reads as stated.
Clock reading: 3:21
